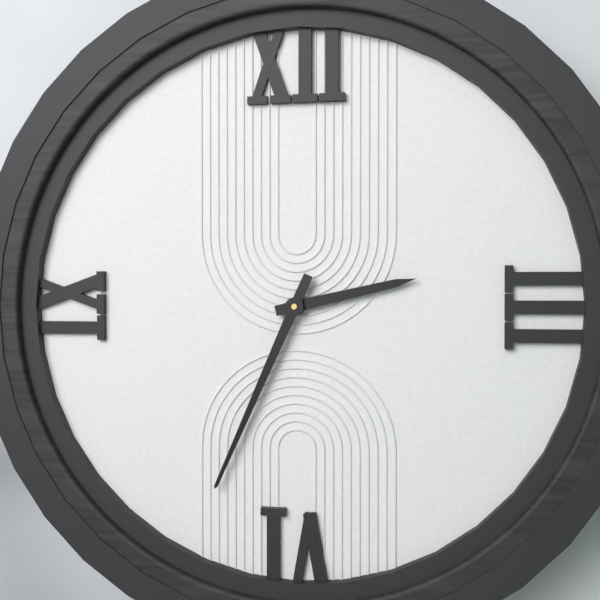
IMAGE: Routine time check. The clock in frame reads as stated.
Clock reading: 2:34
